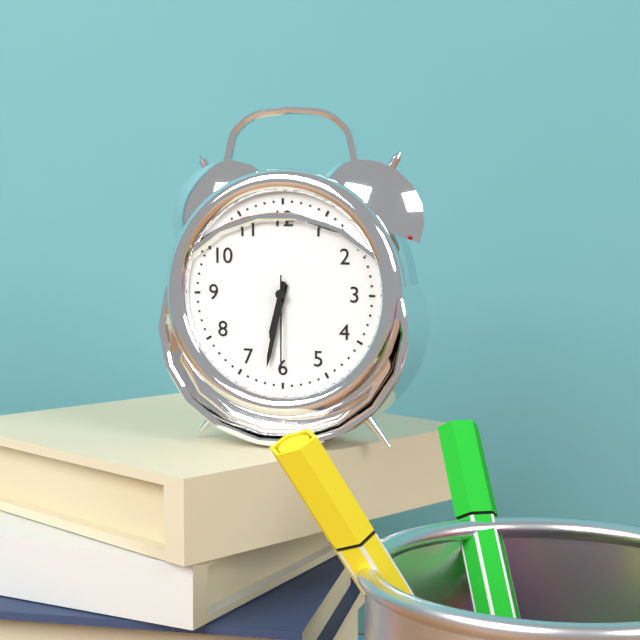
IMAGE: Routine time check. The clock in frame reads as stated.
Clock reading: 6:32:30
